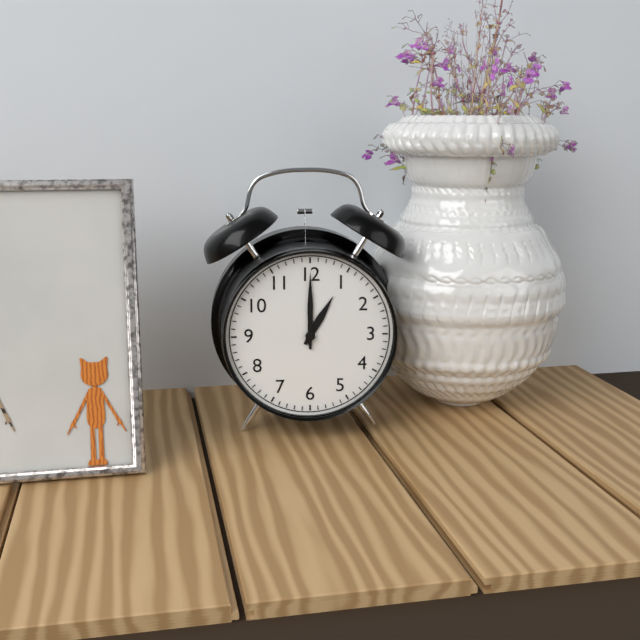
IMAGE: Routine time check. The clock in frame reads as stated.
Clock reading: 1:00
